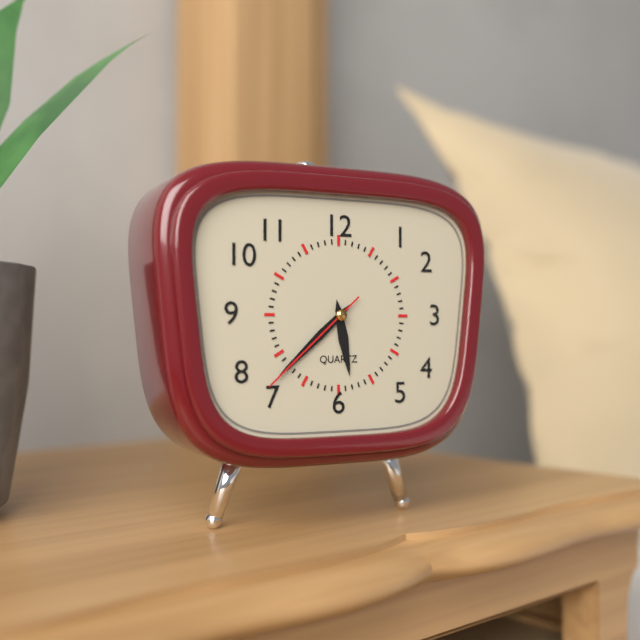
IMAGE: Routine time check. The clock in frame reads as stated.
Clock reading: 5:38:38
